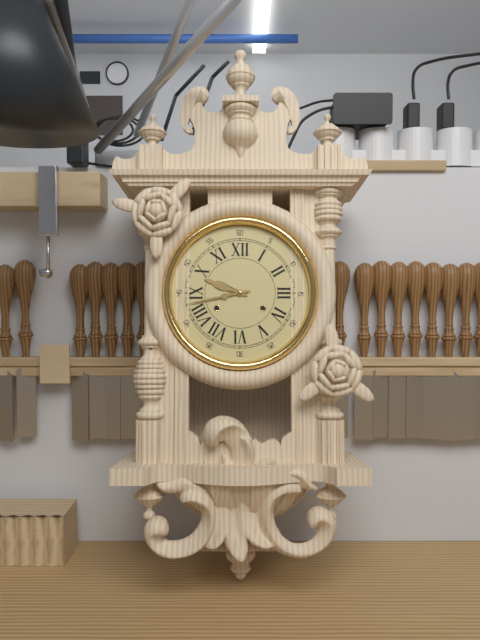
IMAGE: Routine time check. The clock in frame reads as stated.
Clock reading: 9:43
